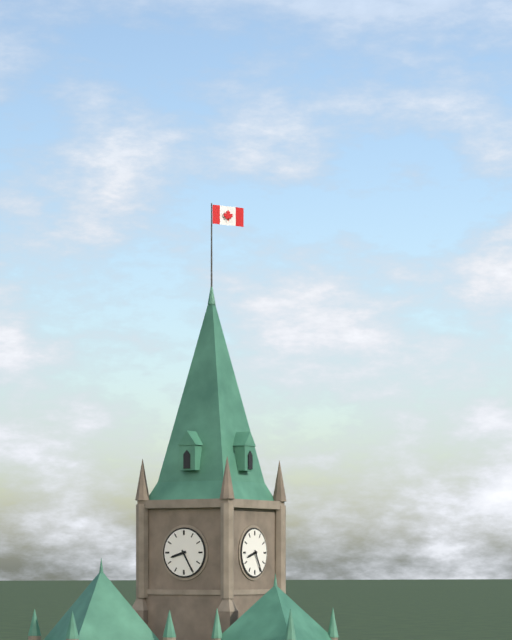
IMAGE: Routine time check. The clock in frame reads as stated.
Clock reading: 8:25
